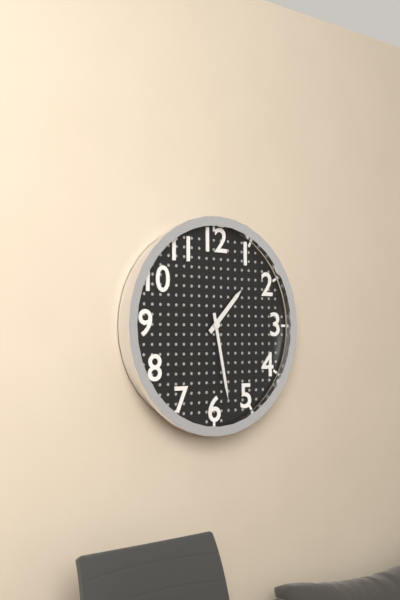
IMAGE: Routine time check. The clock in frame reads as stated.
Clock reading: 1:28
